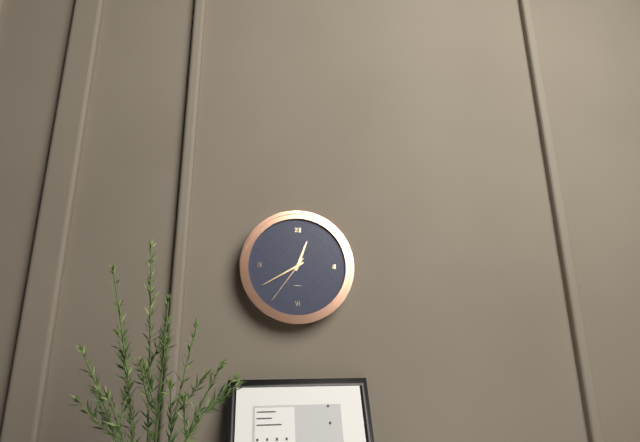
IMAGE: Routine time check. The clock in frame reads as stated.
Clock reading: 12:40:36
